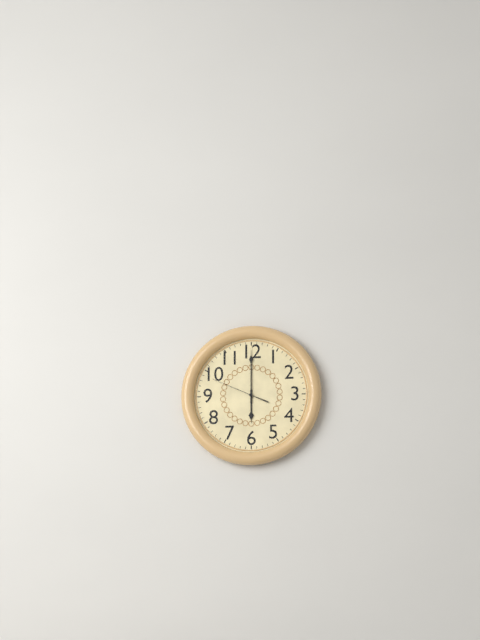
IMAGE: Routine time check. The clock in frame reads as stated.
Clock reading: 6:00:49
